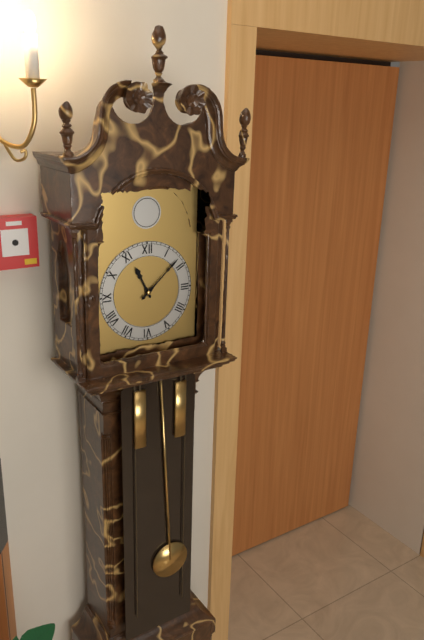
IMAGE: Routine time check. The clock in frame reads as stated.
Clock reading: 11:08
